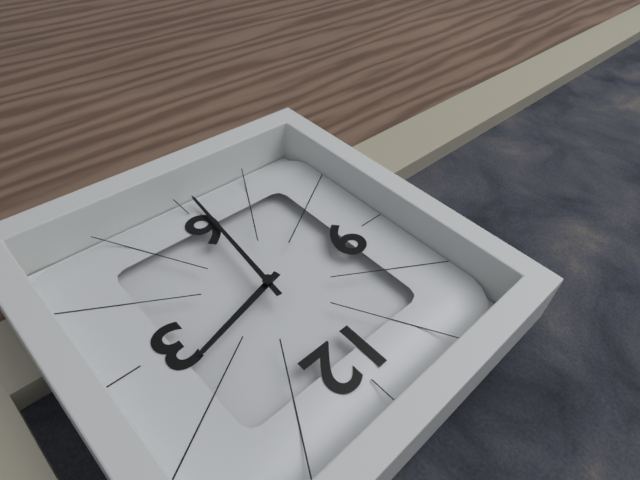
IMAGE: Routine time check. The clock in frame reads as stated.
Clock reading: 2:31
